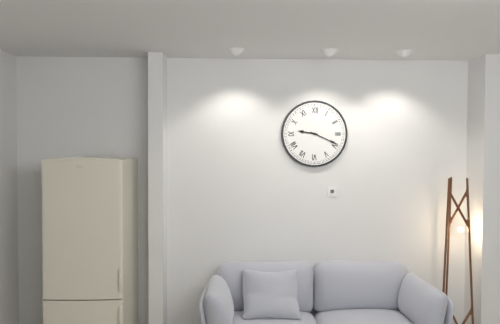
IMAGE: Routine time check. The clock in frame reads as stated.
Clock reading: 9:19
